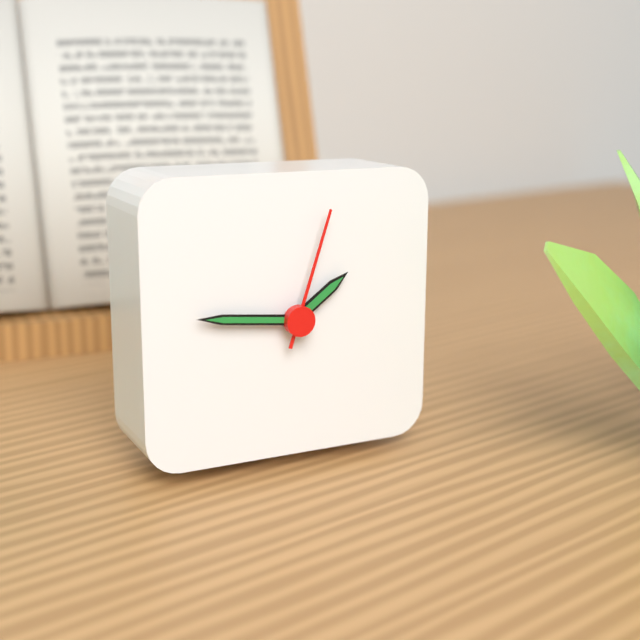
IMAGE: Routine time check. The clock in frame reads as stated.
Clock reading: 1:46:03
